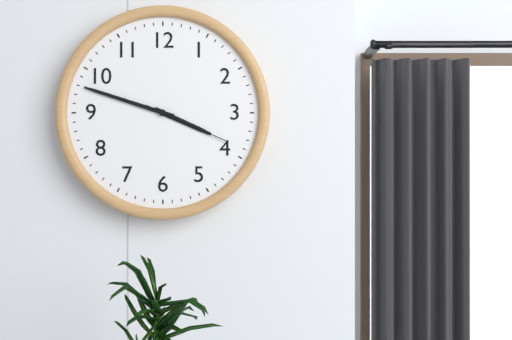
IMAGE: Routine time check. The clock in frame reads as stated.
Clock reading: 3:48:19
